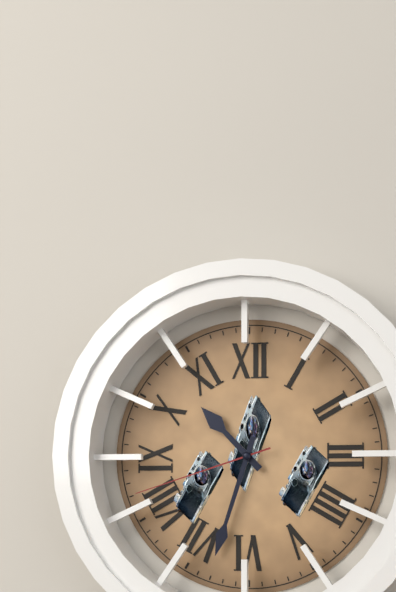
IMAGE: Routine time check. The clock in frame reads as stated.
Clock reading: 10:33:42
